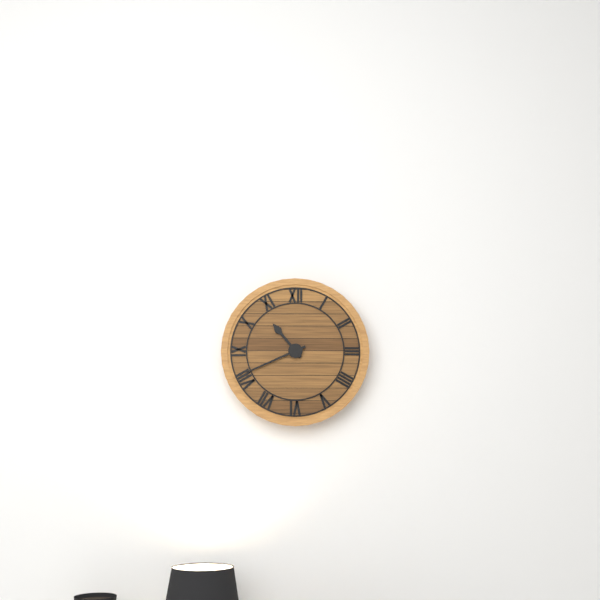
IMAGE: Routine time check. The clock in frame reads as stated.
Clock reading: 10:41
